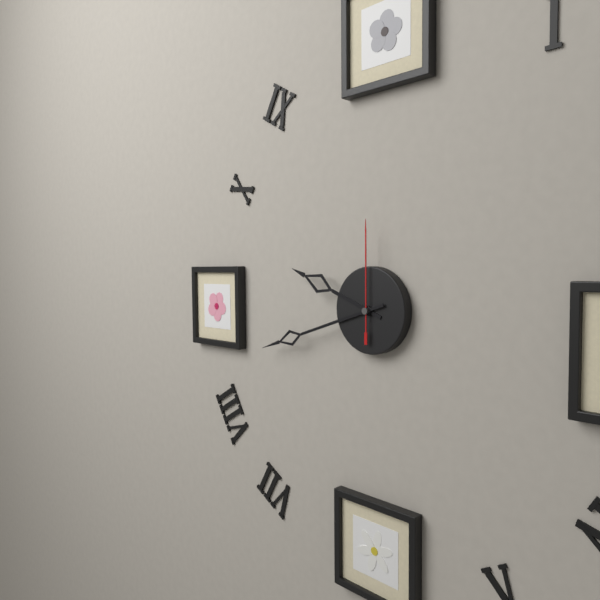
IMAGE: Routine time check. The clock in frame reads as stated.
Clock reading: 9:42:00
